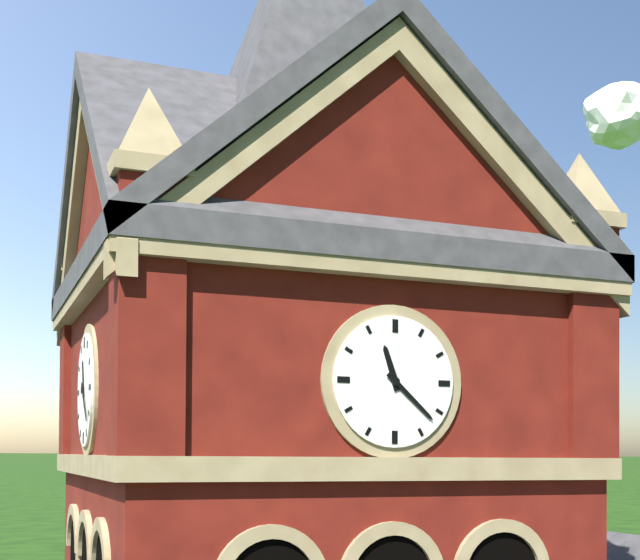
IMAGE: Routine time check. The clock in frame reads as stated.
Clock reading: 11:22
